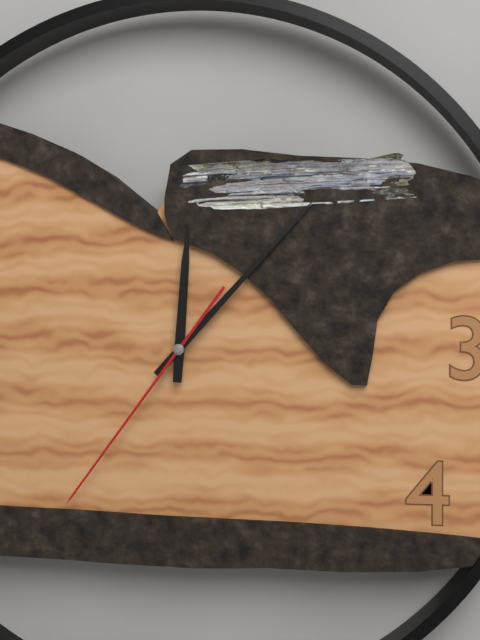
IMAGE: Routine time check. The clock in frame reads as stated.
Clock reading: 12:07:36
